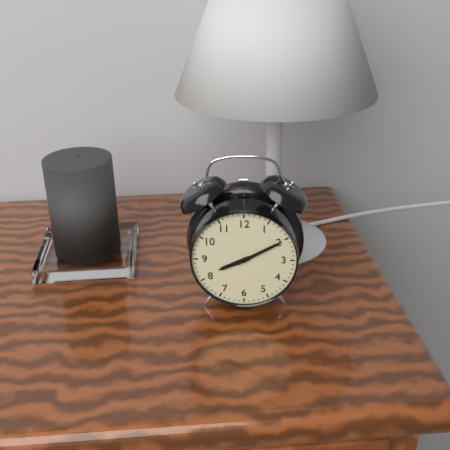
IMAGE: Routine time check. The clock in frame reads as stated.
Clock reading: 8:10
